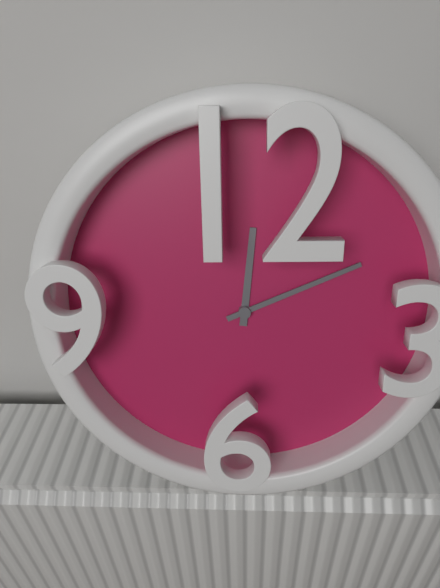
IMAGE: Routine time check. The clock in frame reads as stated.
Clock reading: 12:11
